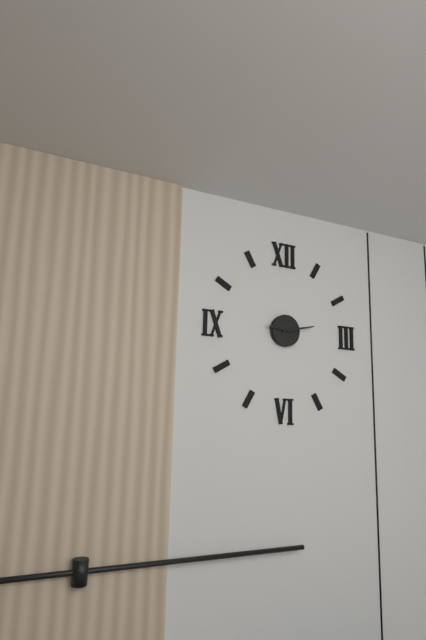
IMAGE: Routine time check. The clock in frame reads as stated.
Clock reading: 9:13
